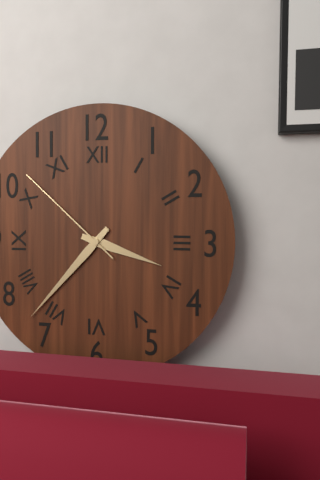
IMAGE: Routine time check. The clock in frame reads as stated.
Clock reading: 3:37:52
